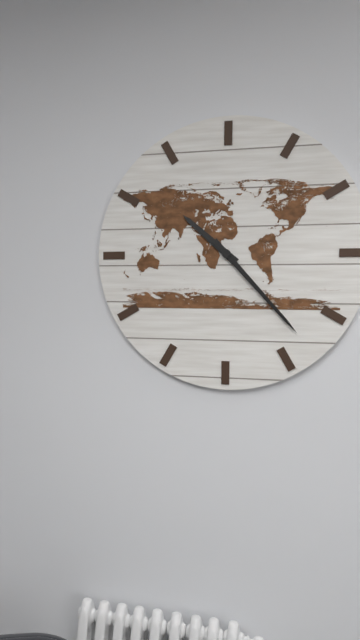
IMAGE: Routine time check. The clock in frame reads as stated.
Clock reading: 10:23
